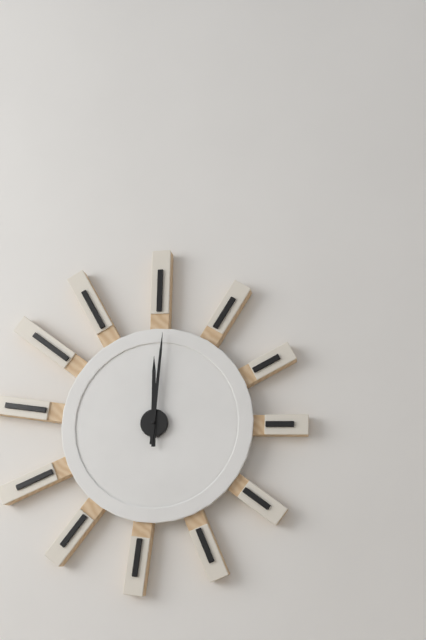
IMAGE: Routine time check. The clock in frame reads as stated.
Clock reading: 12:01
